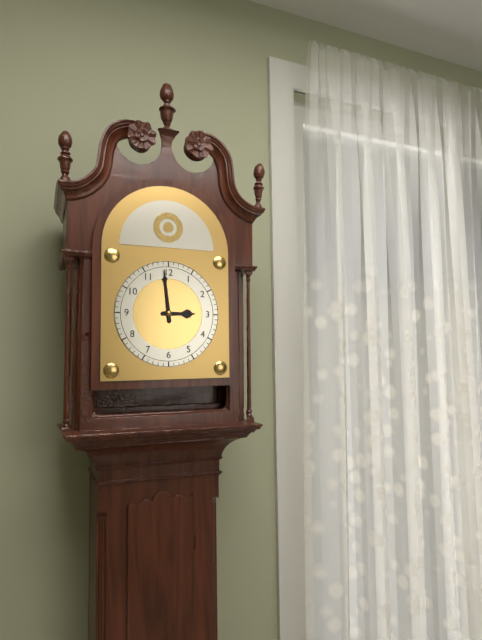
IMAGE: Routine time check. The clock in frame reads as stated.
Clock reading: 2:59
